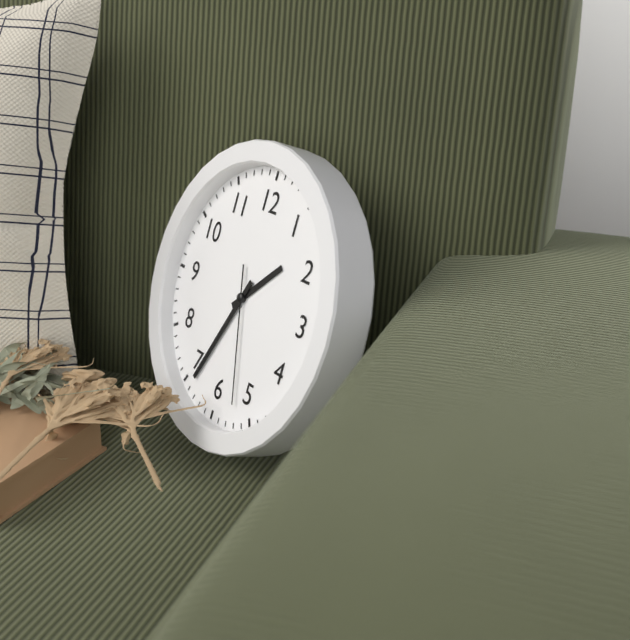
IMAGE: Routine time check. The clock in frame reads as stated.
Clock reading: 1:34:27
